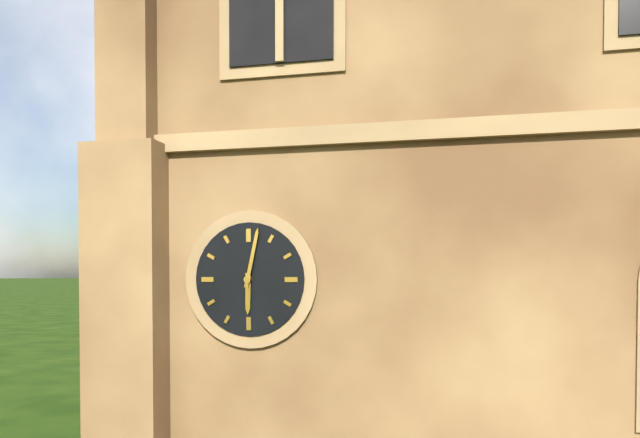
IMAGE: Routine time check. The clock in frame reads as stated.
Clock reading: 6:02
